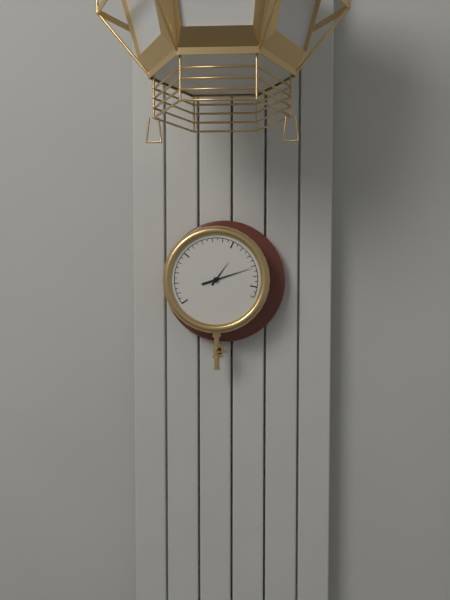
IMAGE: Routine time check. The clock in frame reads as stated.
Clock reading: 1:12
